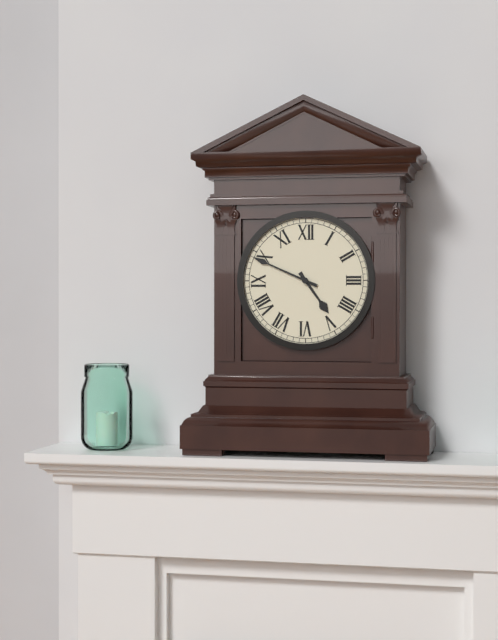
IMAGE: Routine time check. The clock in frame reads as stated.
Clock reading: 4:49
